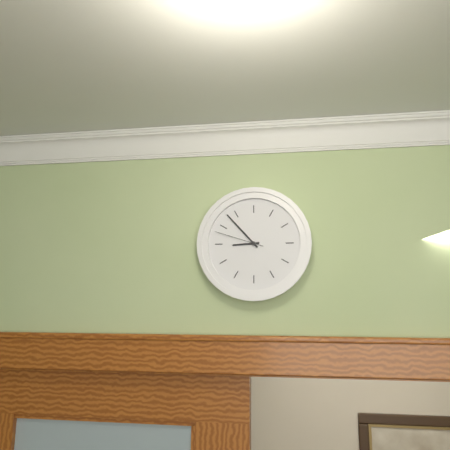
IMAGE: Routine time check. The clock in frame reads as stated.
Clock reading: 8:53:48
